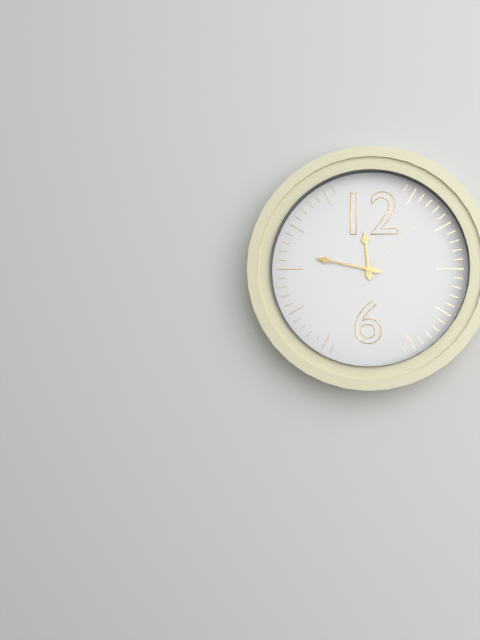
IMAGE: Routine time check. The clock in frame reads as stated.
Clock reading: 11:47:08
